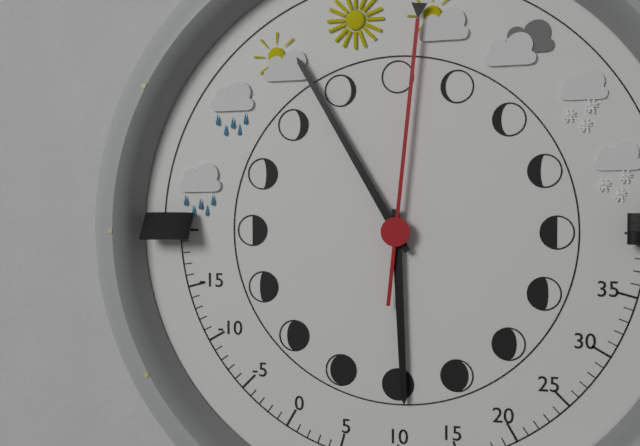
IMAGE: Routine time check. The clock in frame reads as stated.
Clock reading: 5:55:01
